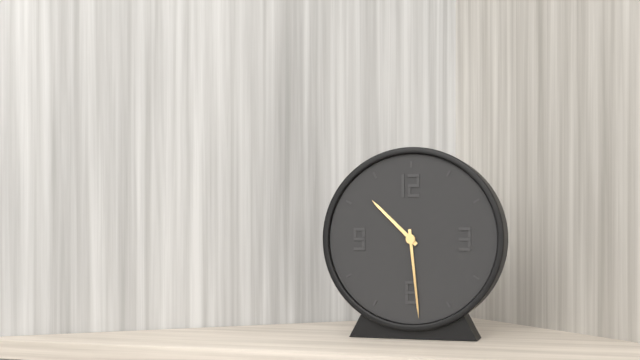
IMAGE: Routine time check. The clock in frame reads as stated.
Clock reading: 10:29
